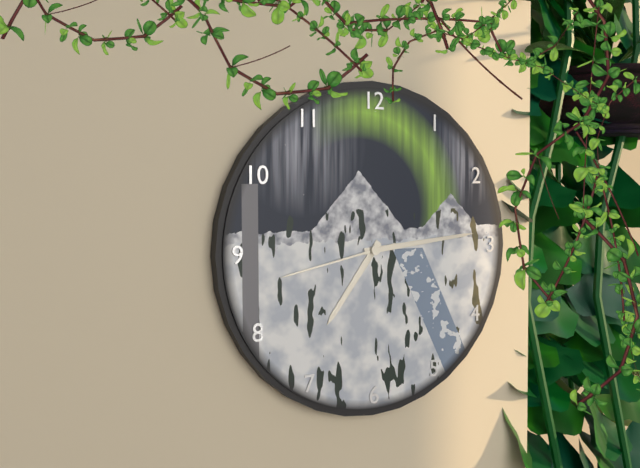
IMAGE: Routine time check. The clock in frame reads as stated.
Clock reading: 7:14:43
